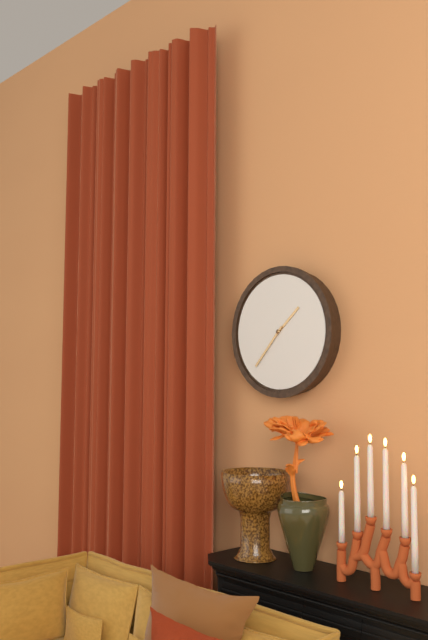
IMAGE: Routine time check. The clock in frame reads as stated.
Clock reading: 1:37
